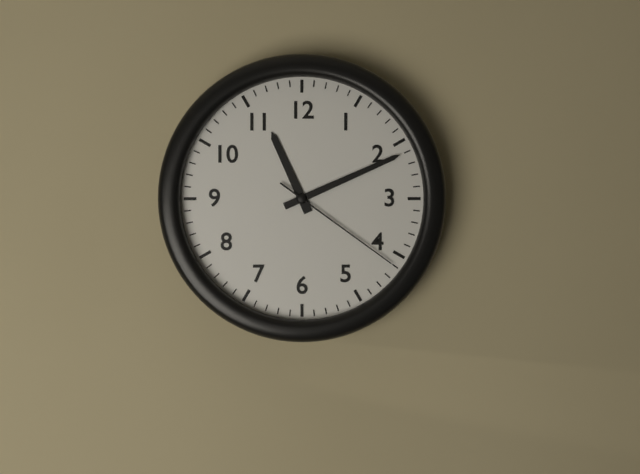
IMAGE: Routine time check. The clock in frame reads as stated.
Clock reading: 11:11:21
